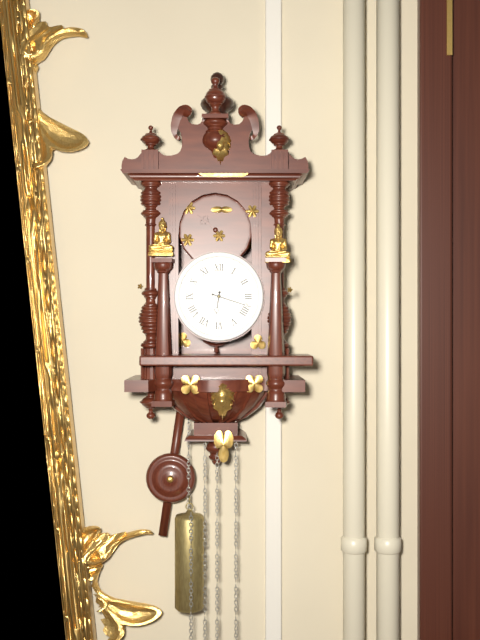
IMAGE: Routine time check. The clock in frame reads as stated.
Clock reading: 6:18
